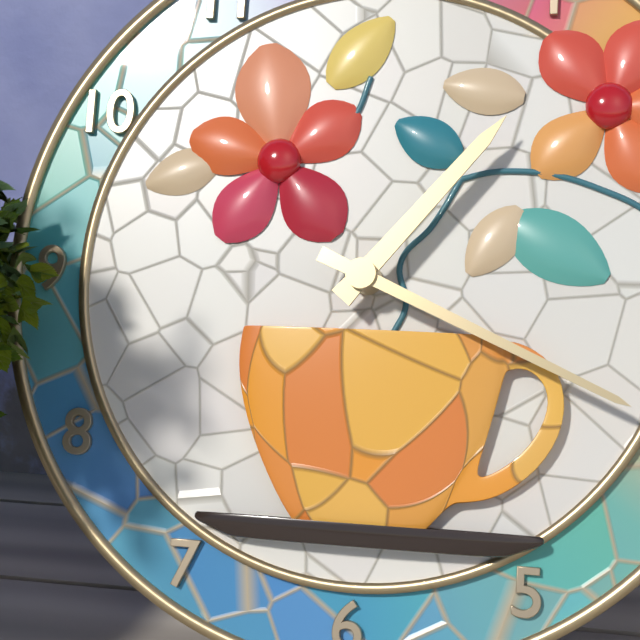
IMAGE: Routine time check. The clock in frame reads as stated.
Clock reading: 1:19
